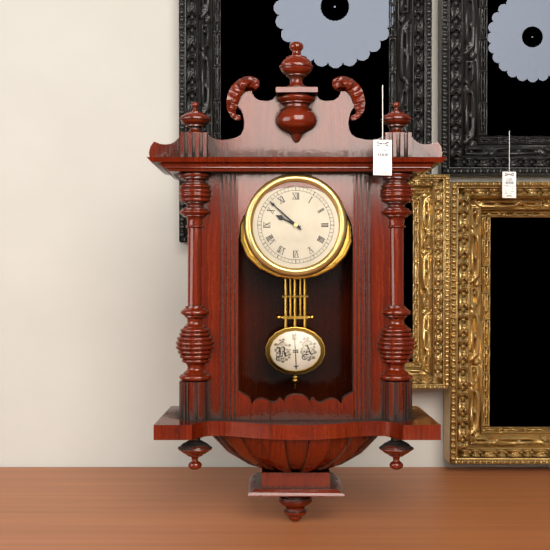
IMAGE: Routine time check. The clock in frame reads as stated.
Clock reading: 9:52
